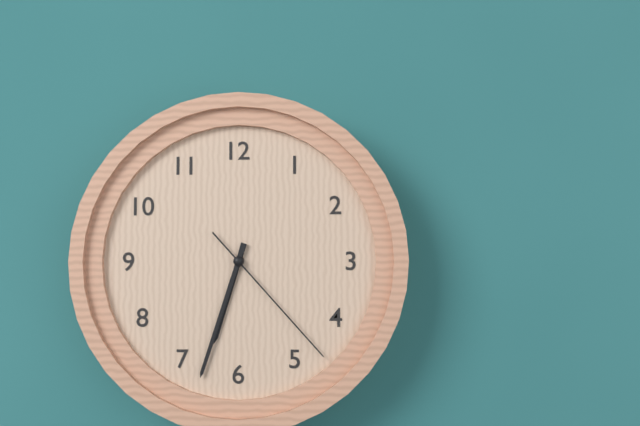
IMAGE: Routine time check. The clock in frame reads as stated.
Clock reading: 6:33:23
